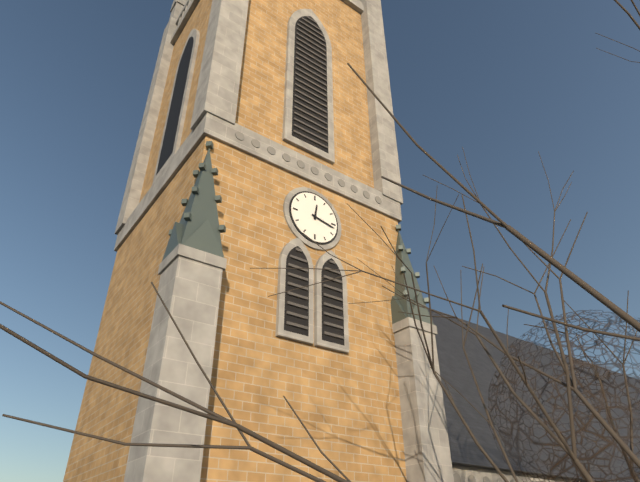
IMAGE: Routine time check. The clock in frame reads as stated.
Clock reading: 12:17
